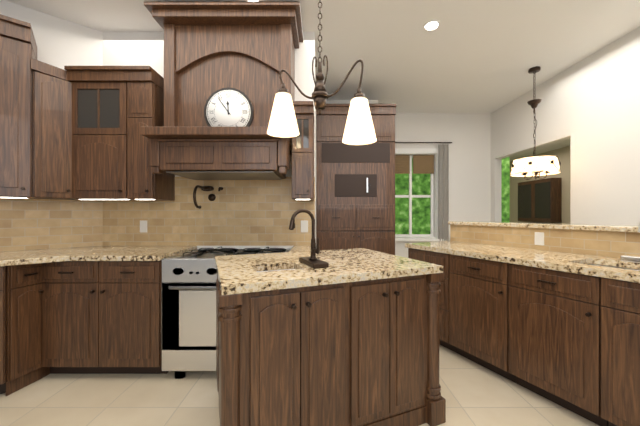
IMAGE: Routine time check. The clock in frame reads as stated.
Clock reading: 11:54
